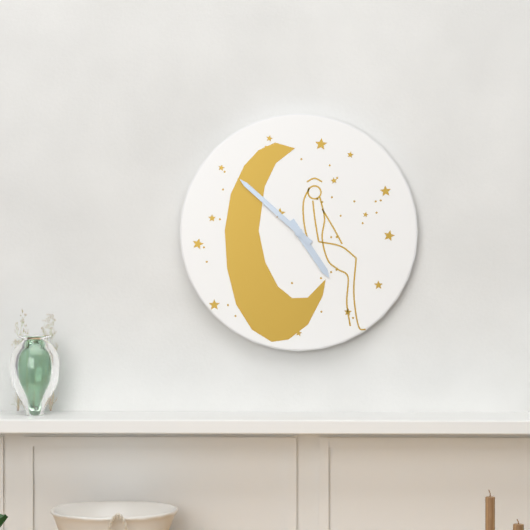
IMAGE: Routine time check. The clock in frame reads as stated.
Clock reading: 4:52
